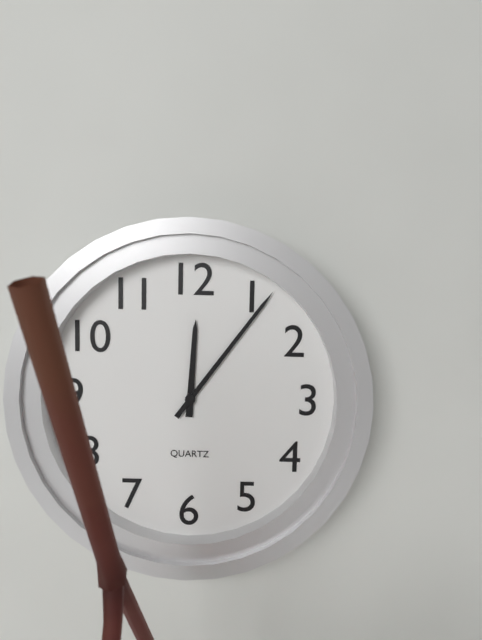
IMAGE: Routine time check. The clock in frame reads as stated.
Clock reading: 12:06
